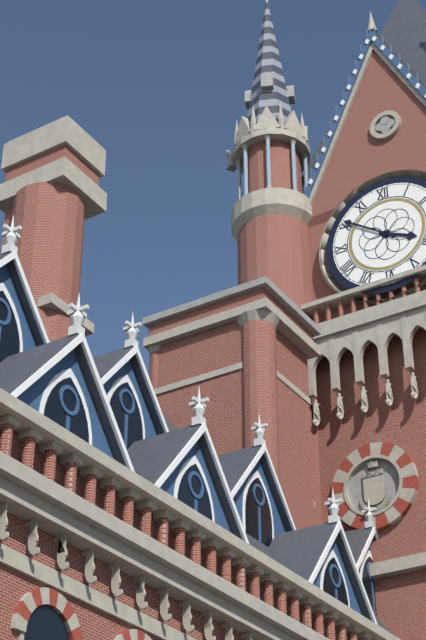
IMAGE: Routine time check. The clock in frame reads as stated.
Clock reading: 3:51
